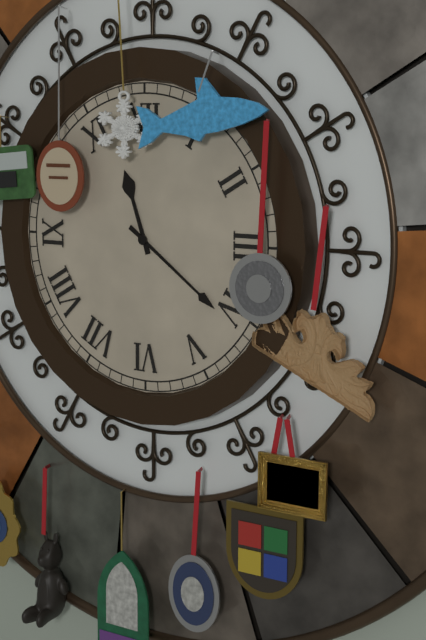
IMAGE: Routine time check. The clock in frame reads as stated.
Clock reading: 11:21
